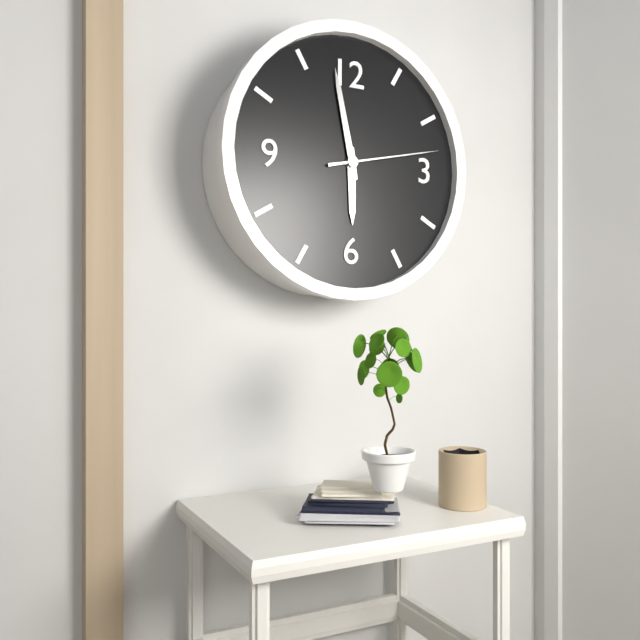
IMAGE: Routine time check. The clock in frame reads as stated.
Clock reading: 5:58:13
